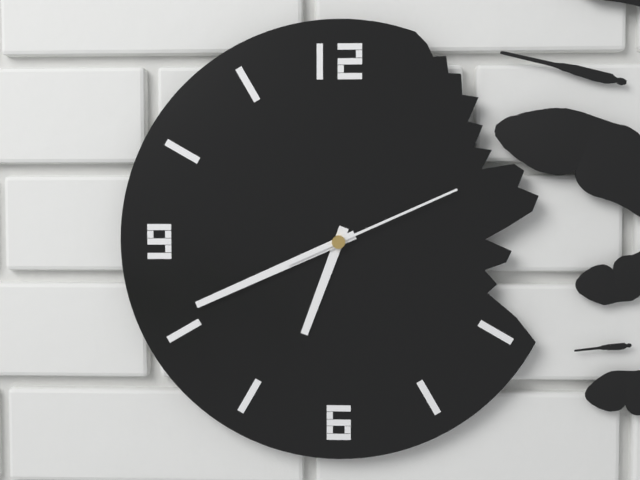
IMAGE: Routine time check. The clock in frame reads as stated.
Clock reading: 6:41:11
